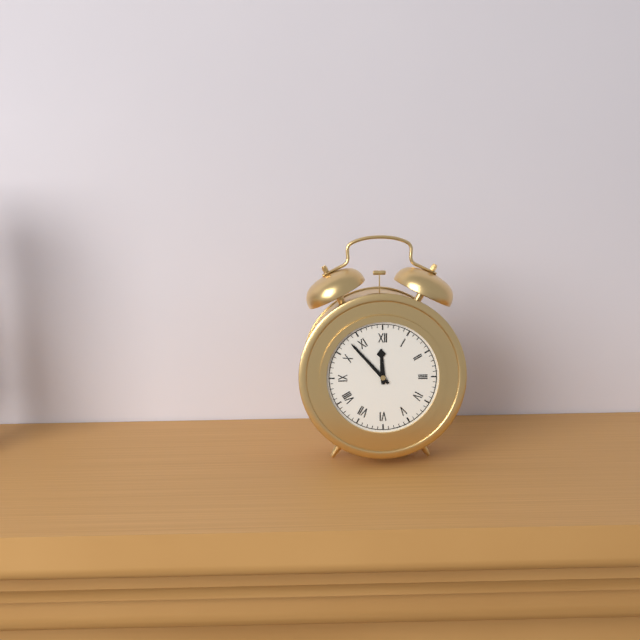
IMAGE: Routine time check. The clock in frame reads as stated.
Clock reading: 11:53
